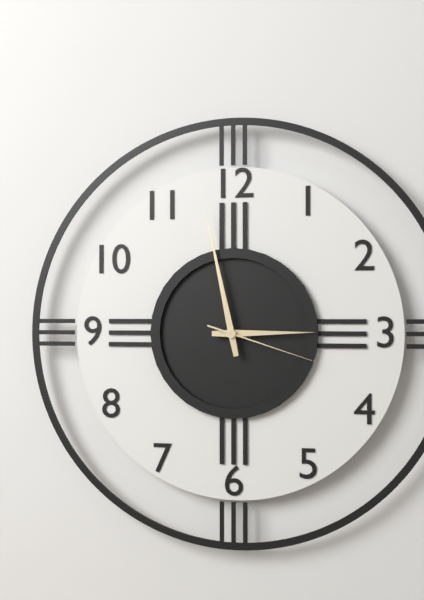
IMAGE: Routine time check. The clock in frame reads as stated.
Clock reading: 2:58:18
